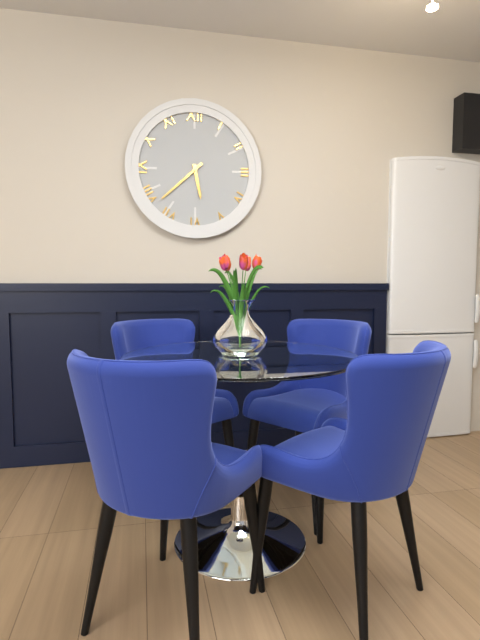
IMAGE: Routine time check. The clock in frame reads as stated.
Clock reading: 5:38
